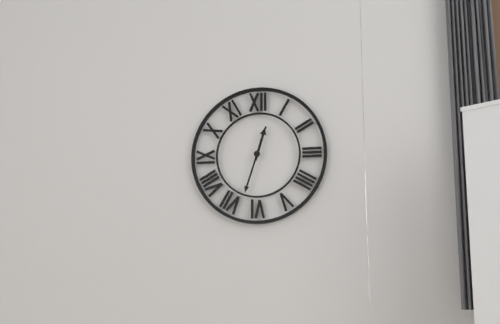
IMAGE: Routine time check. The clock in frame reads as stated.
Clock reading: 12:33
